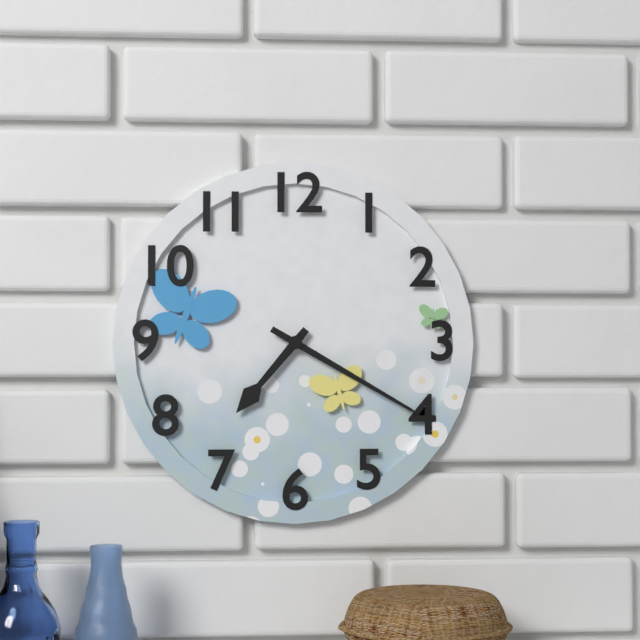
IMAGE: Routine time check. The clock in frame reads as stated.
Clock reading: 7:20
